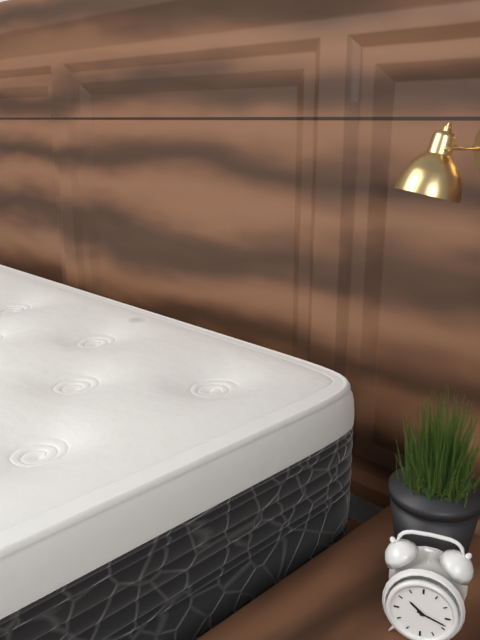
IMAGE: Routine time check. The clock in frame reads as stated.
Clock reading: 10:18
